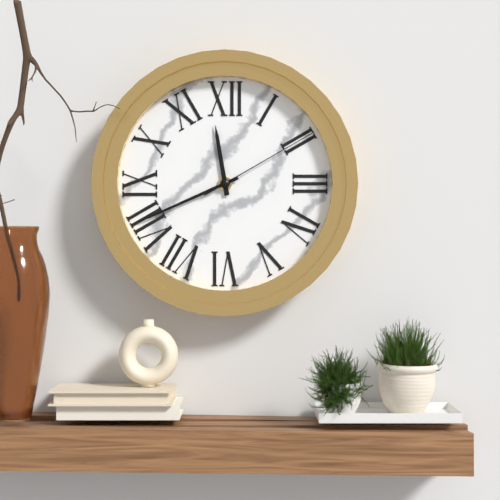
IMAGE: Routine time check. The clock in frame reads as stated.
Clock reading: 11:41:10
